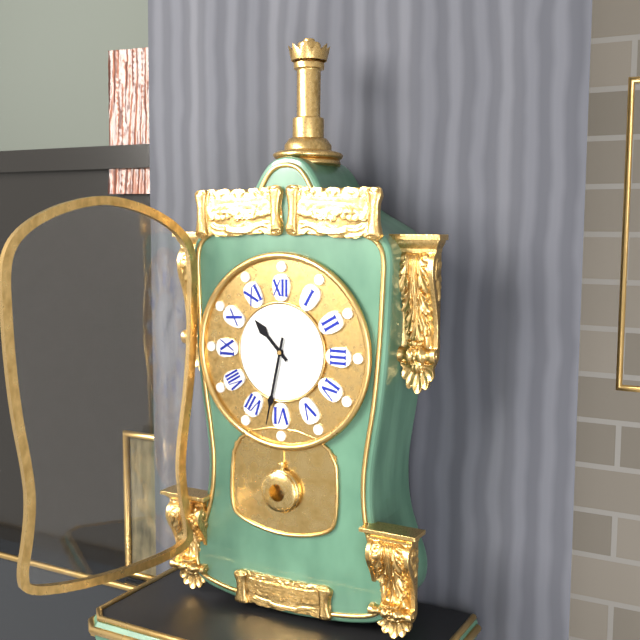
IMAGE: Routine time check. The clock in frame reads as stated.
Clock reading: 10:32
